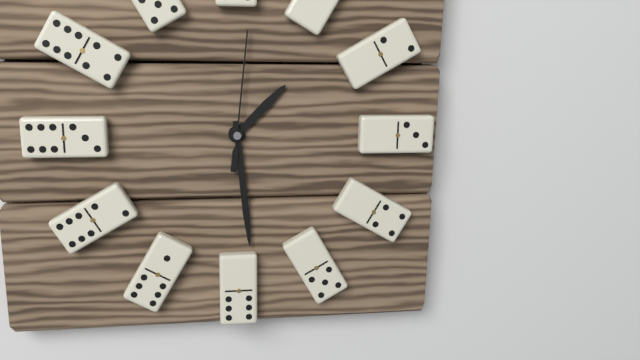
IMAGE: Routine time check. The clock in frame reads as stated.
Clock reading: 1:29:01
